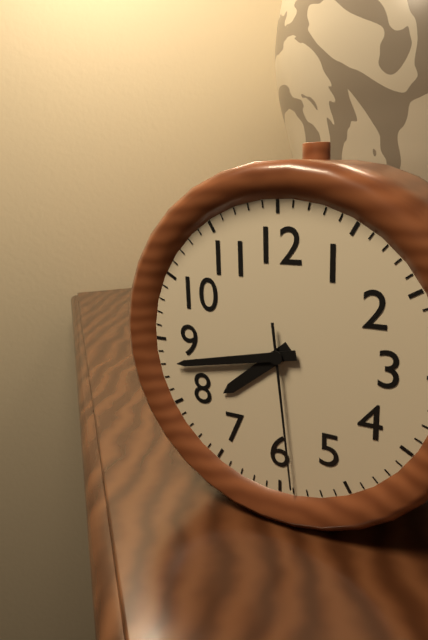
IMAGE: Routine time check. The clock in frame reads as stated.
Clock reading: 7:43:29
